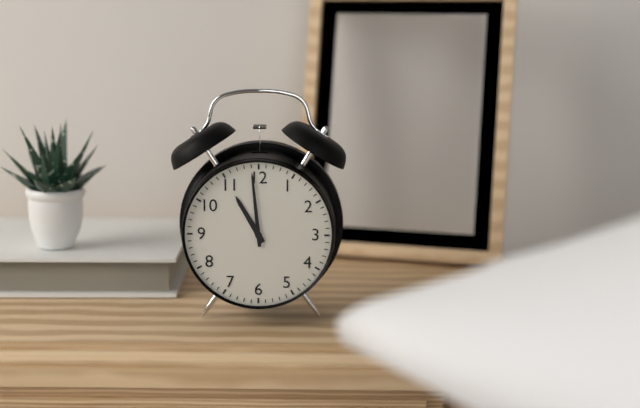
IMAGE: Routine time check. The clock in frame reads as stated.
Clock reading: 10:59
